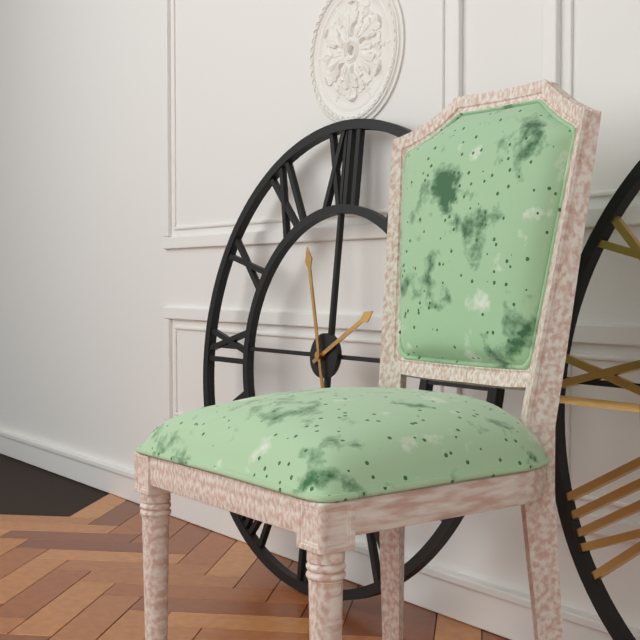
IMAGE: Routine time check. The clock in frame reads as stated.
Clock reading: 1:57
